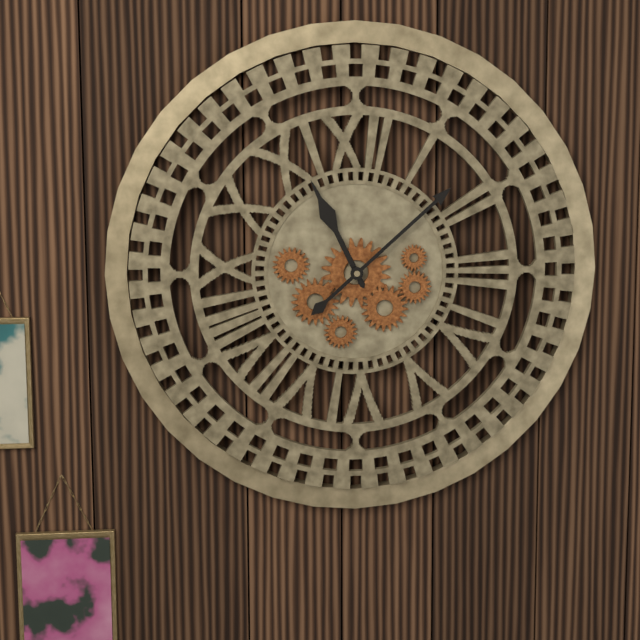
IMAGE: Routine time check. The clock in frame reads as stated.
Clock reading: 11:08
